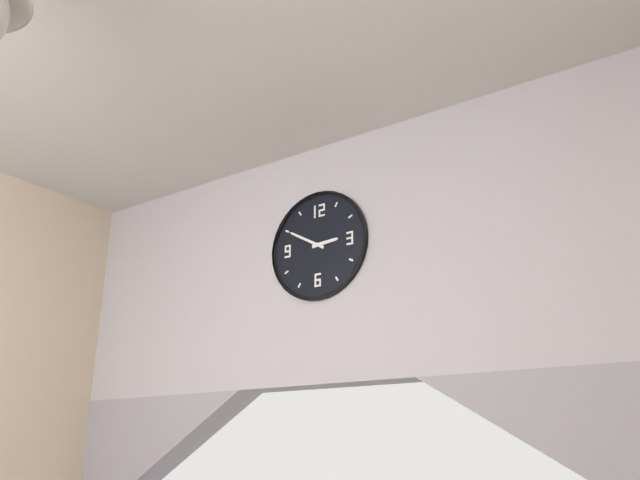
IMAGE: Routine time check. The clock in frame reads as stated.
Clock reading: 2:50
